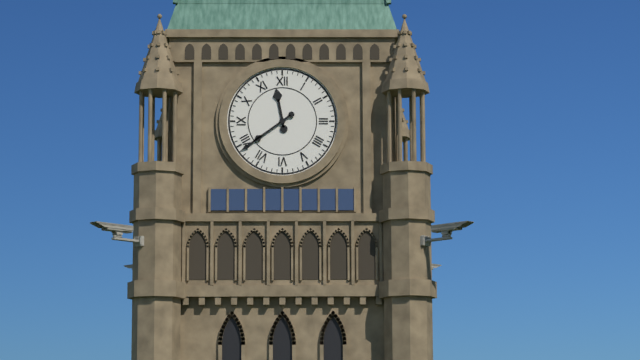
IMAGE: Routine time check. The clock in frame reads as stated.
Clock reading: 11:39
